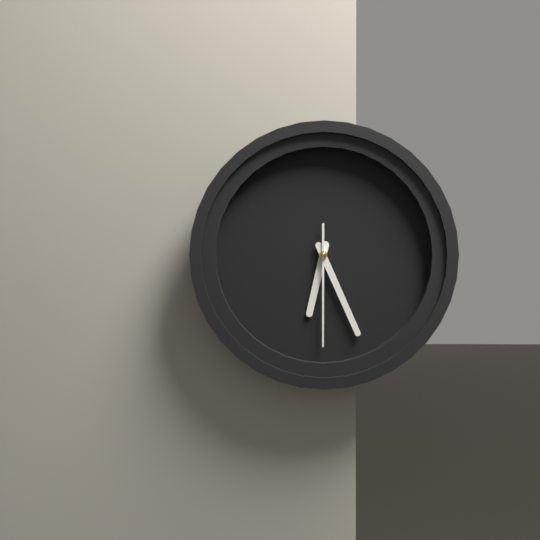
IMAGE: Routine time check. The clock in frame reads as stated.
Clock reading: 6:26:30
